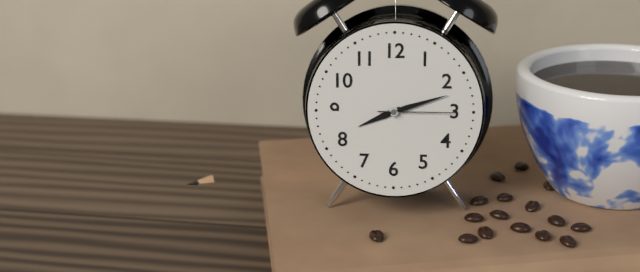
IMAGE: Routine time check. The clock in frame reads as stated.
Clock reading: 8:12:15
